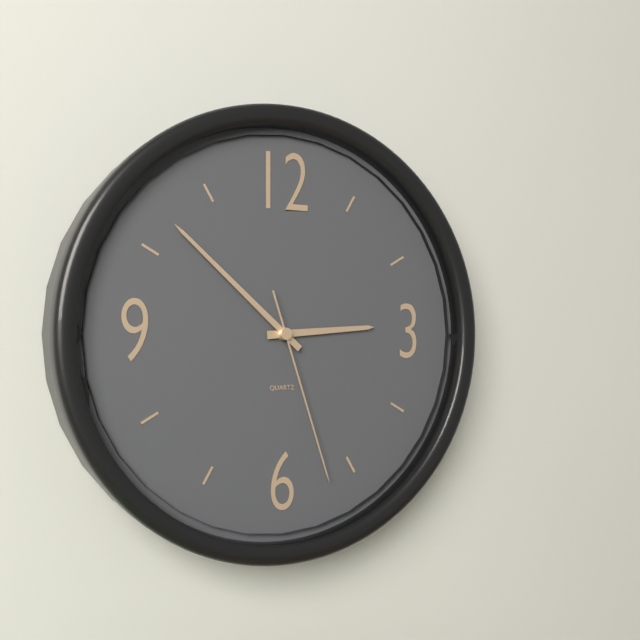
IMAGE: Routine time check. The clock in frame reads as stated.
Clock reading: 2:52:27
